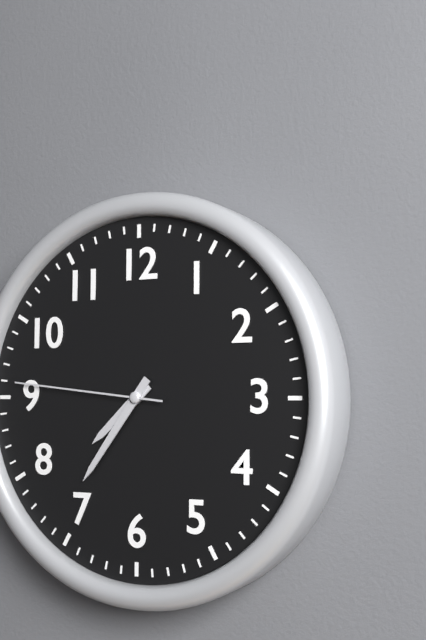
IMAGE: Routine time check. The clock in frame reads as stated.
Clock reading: 7:36:46
